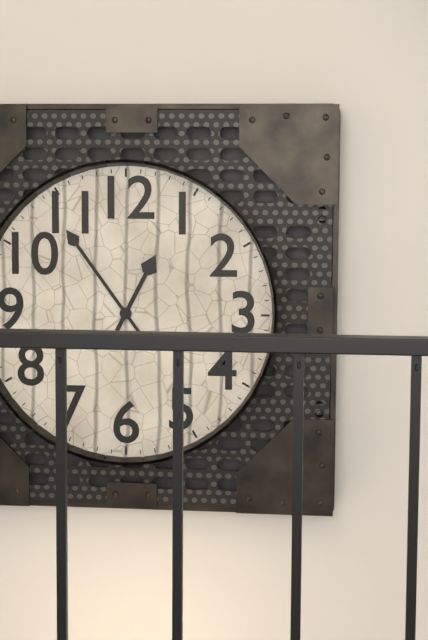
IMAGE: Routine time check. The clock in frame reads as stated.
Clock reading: 12:54
